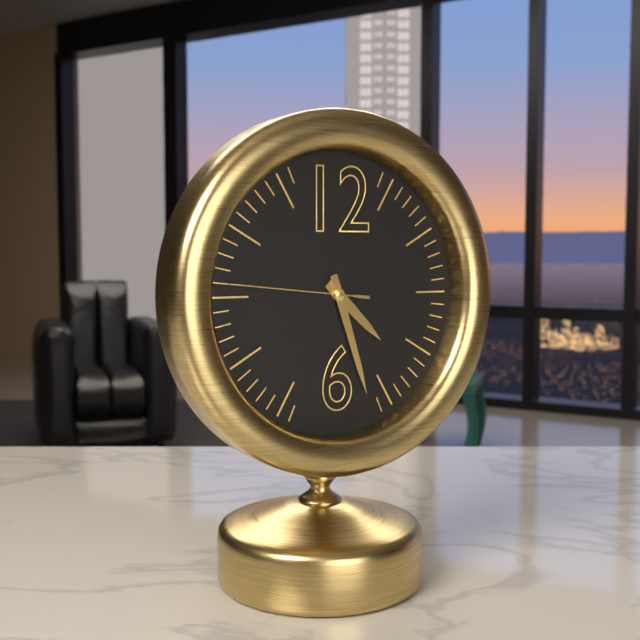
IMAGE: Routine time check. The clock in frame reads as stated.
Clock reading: 4:27:46
